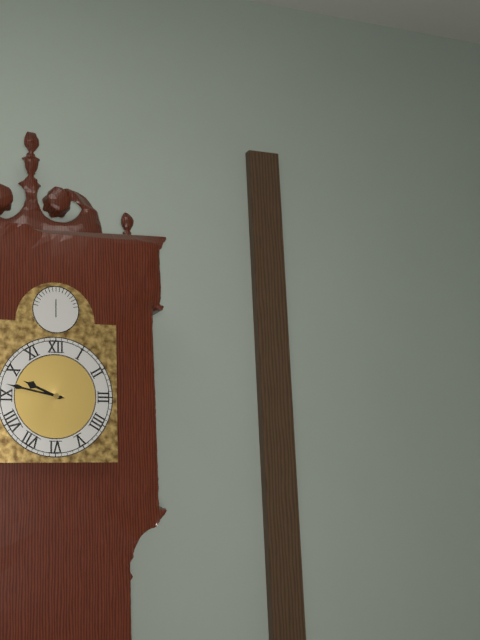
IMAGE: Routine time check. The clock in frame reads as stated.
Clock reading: 9:47
